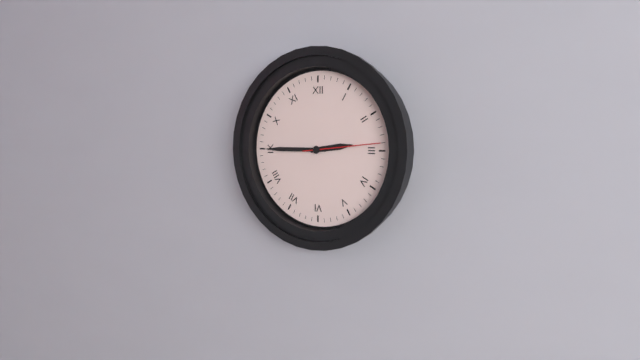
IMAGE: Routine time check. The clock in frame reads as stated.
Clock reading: 2:45:14
